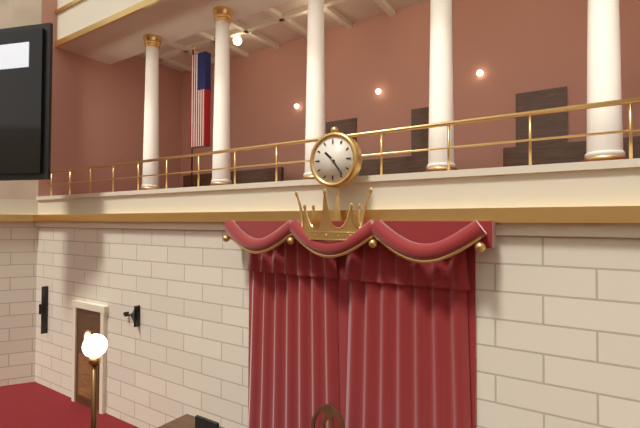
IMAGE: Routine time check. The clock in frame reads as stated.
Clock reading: 10:24
